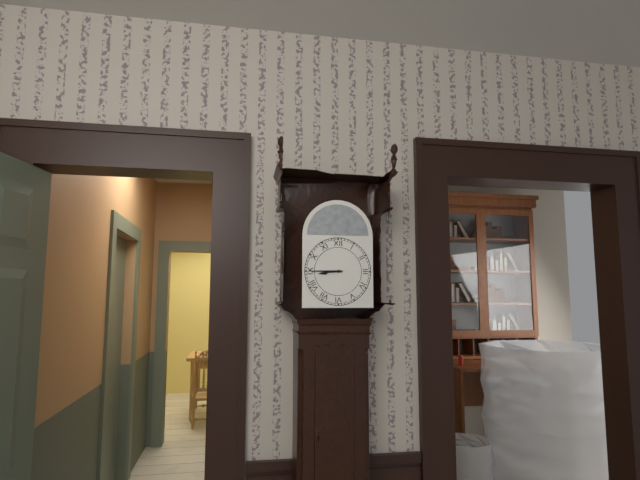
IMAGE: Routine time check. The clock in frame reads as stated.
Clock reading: 8:45
